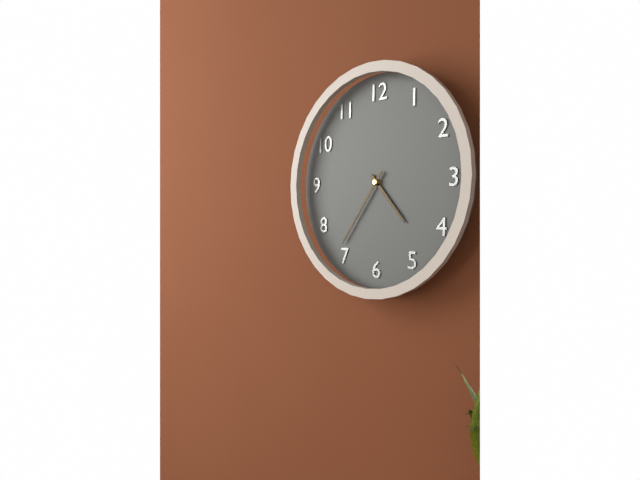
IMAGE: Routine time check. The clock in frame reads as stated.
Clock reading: 4:36
